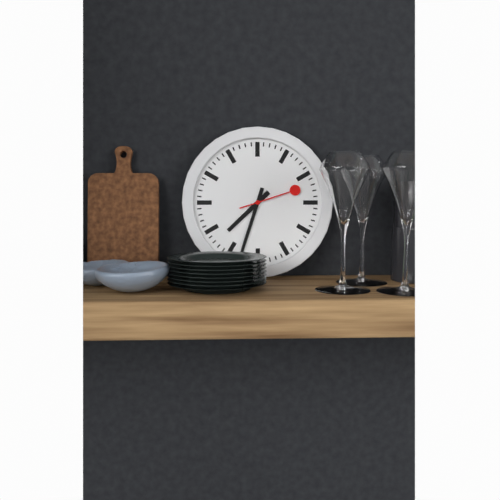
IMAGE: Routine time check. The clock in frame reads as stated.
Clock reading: 7:33:12
